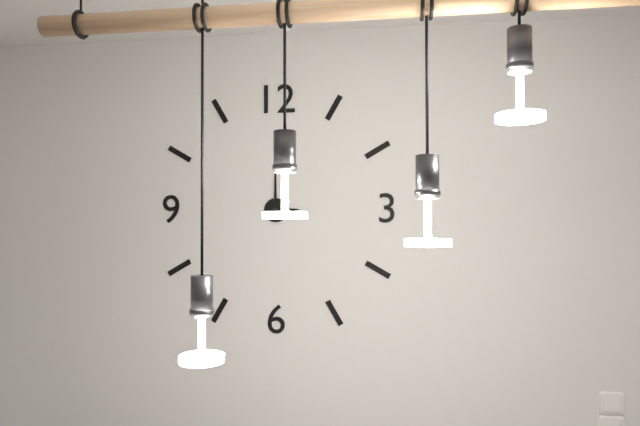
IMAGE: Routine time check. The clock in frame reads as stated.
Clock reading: 3:00
